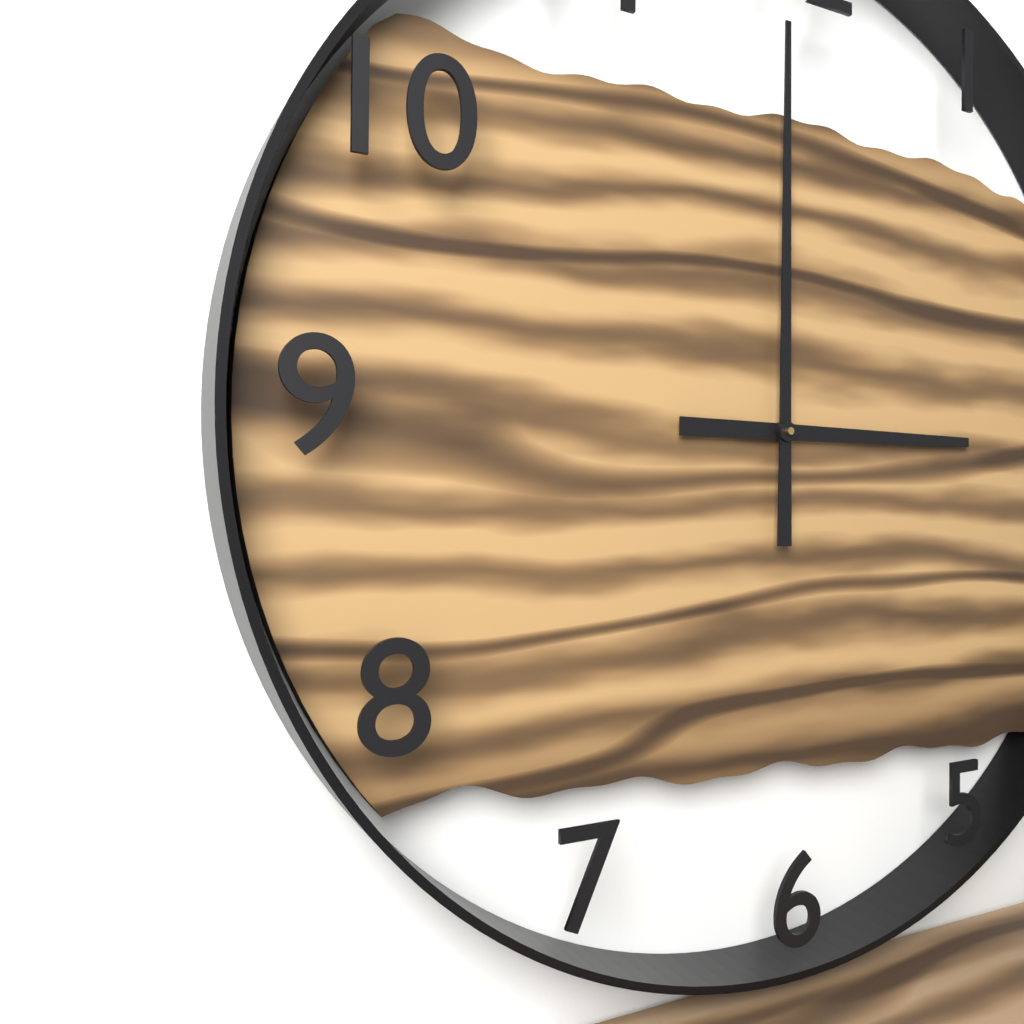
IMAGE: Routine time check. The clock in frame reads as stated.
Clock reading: 3:00
